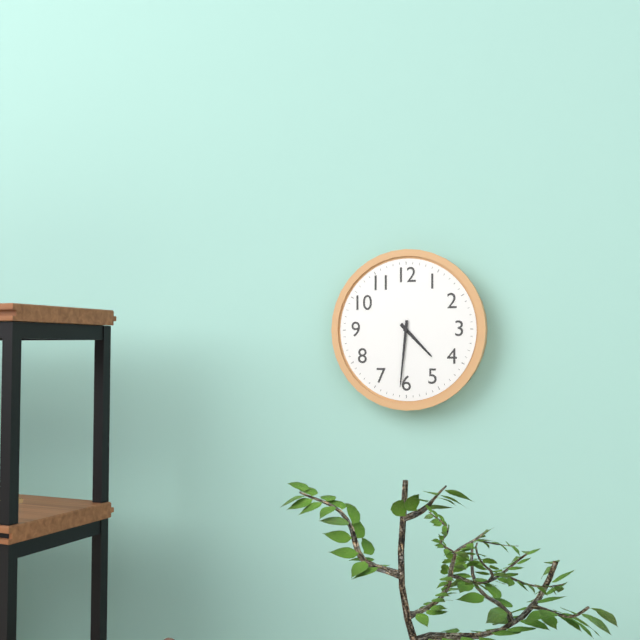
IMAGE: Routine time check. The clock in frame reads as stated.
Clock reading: 4:31
